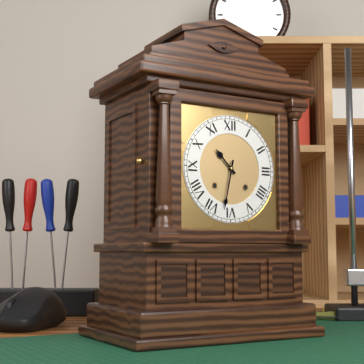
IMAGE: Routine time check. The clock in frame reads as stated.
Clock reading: 10:32
